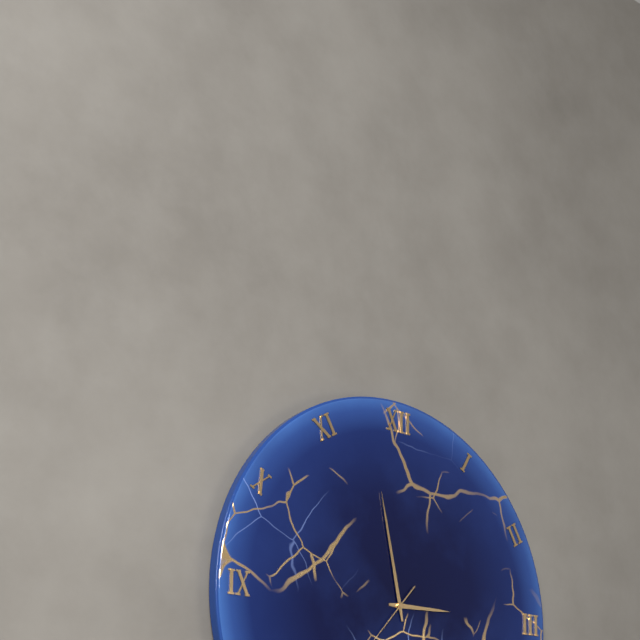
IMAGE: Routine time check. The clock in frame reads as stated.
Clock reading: 2:58
